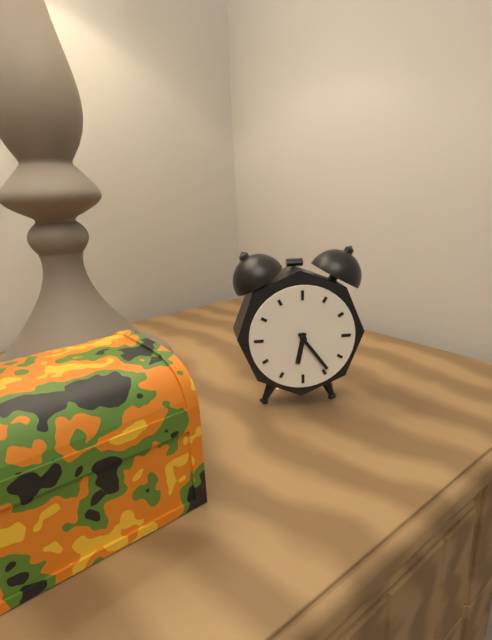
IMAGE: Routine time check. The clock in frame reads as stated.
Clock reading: 6:24
